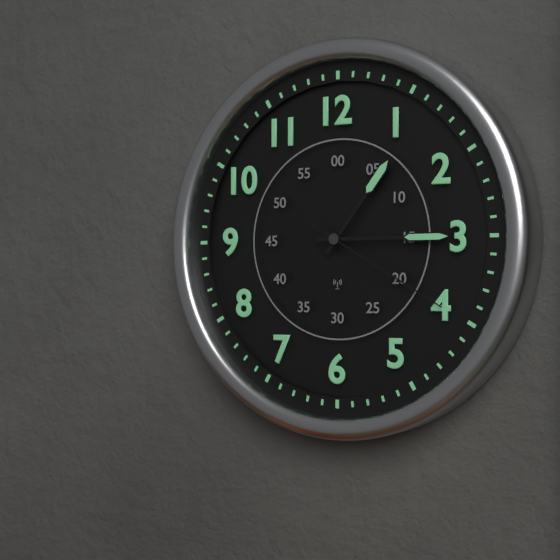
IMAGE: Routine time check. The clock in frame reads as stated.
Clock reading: 1:15:20
